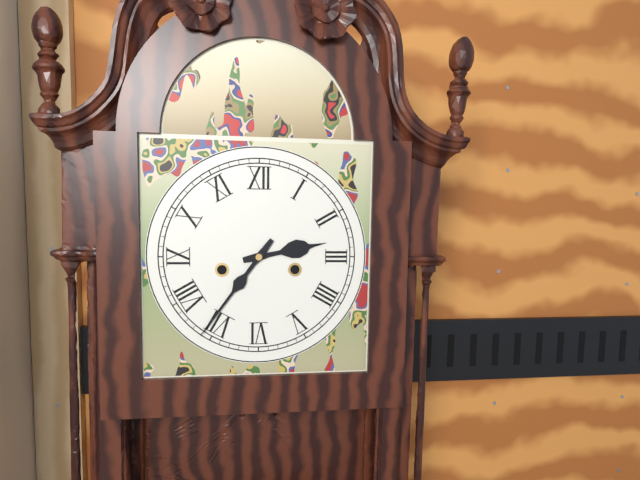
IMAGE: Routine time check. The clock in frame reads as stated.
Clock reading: 2:36
